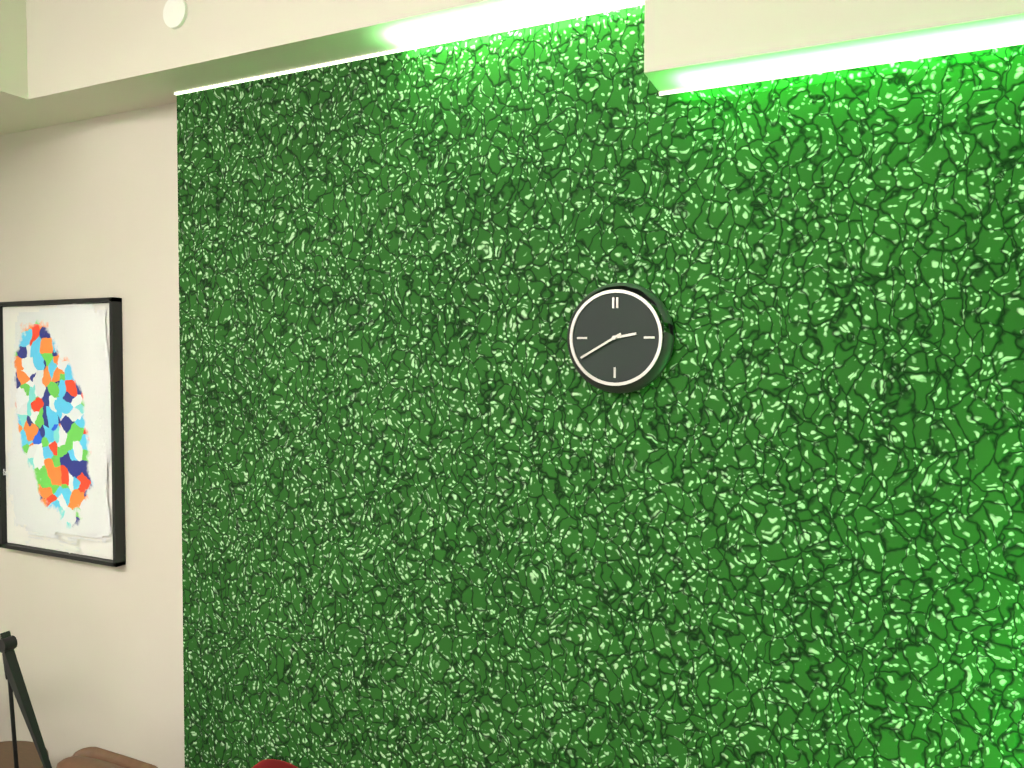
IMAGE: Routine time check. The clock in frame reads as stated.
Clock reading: 2:40
